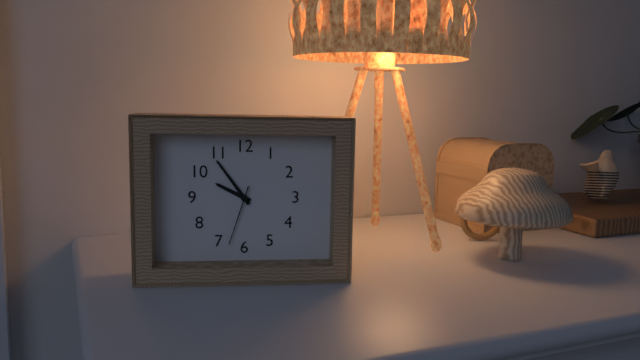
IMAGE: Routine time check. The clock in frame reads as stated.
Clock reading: 9:54:33
